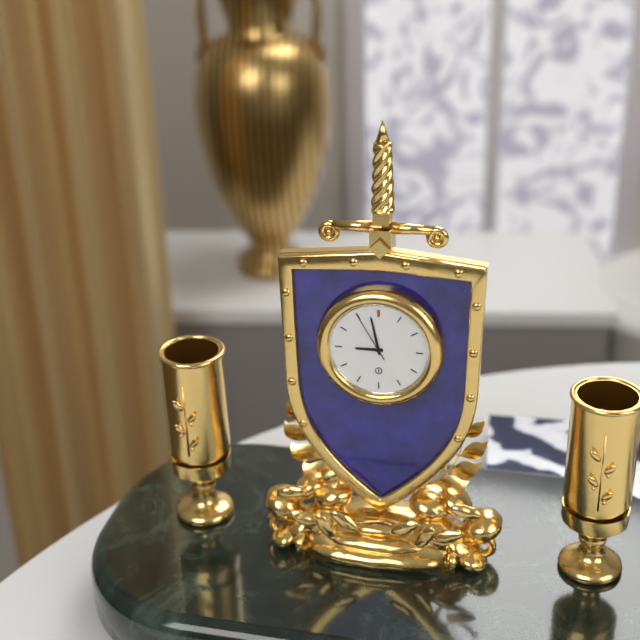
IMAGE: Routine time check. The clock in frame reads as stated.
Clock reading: 8:58:55
